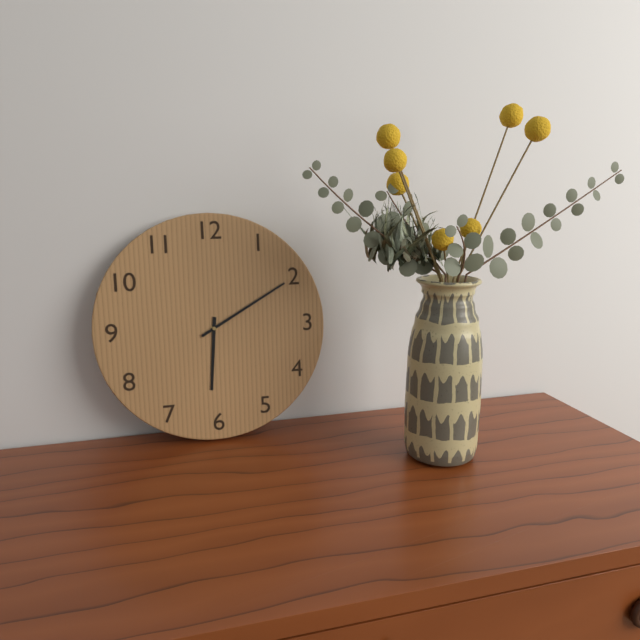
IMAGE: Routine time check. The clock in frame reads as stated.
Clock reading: 6:10
